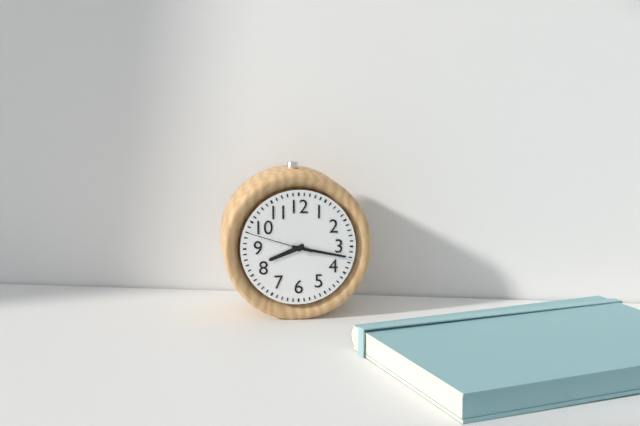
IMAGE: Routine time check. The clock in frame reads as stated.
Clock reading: 8:17:48
